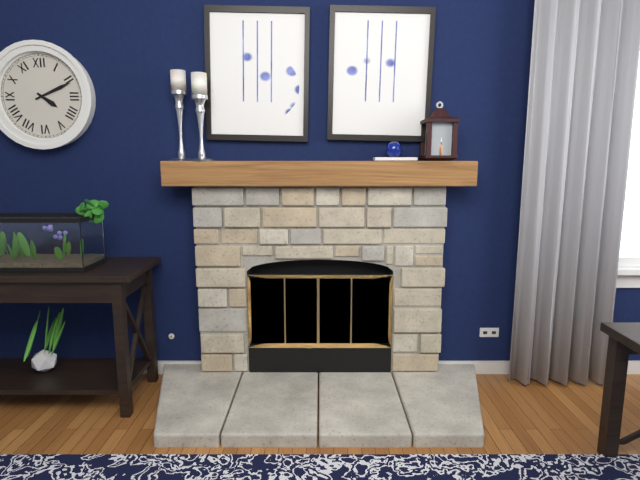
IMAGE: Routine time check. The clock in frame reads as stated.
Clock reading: 4:11
